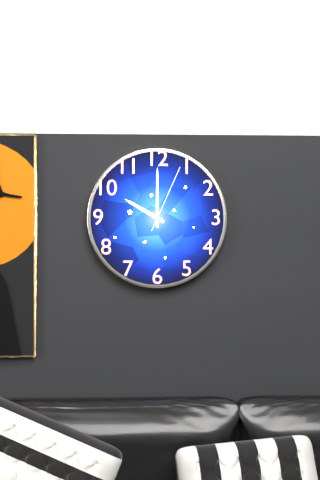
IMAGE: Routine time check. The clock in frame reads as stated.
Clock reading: 10:00:04
